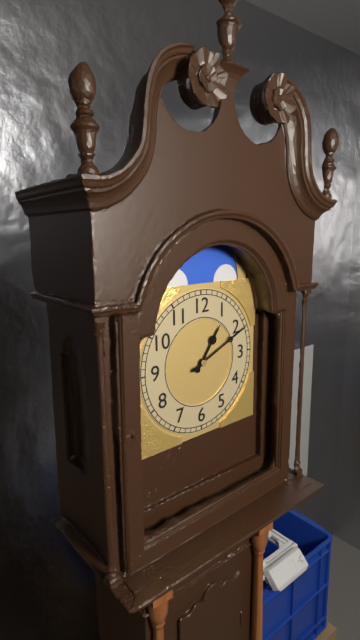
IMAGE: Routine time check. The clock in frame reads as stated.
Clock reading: 1:11
